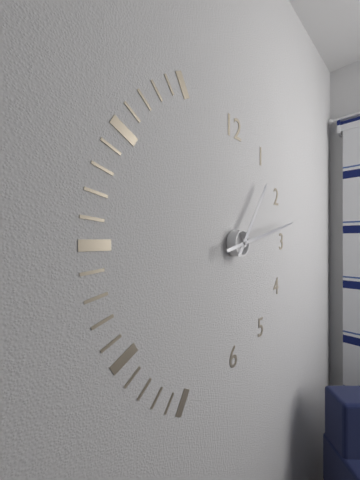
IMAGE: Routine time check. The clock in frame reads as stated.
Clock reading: 1:13
